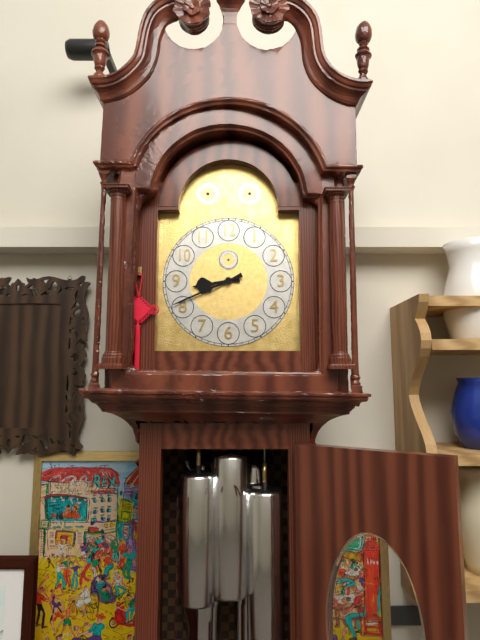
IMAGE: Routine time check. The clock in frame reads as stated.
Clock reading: 8:41
